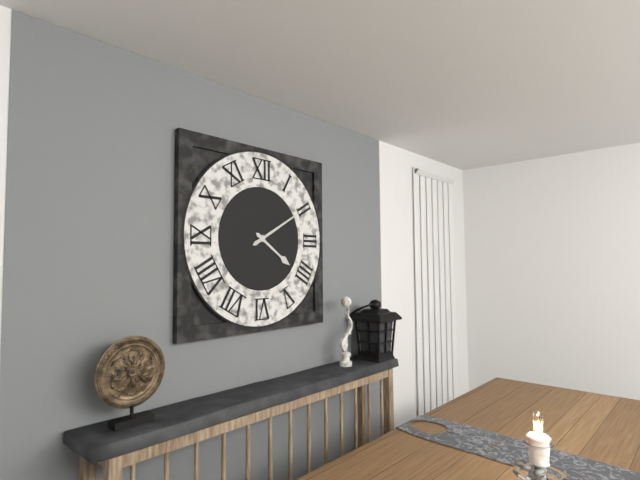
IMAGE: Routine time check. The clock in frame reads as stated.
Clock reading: 4:10
